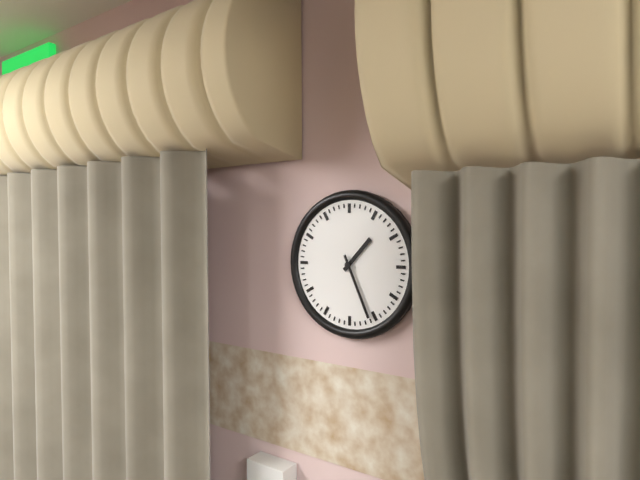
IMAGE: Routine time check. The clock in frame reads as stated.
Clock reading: 1:26
